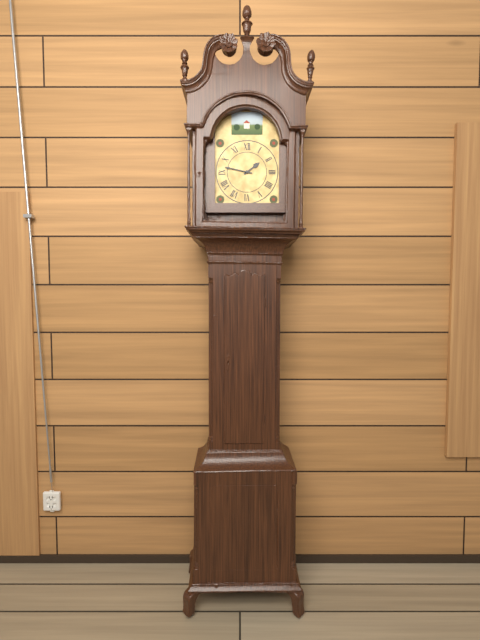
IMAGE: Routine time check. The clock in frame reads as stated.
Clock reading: 1:47
